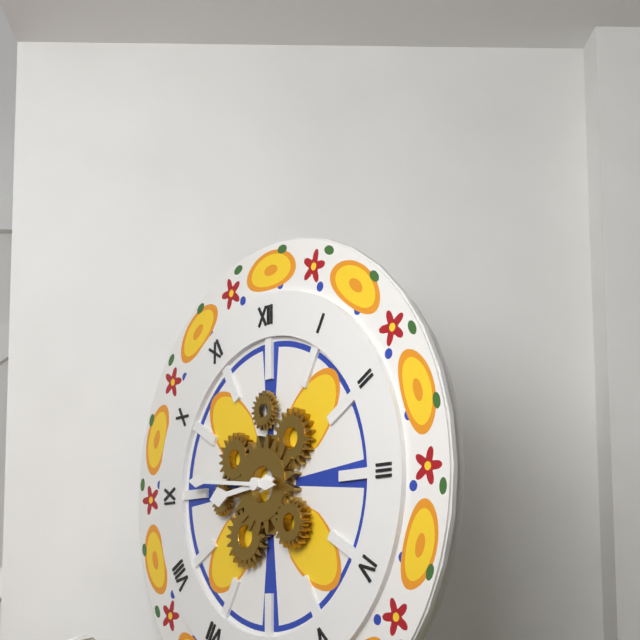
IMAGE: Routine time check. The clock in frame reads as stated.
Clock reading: 8:46
